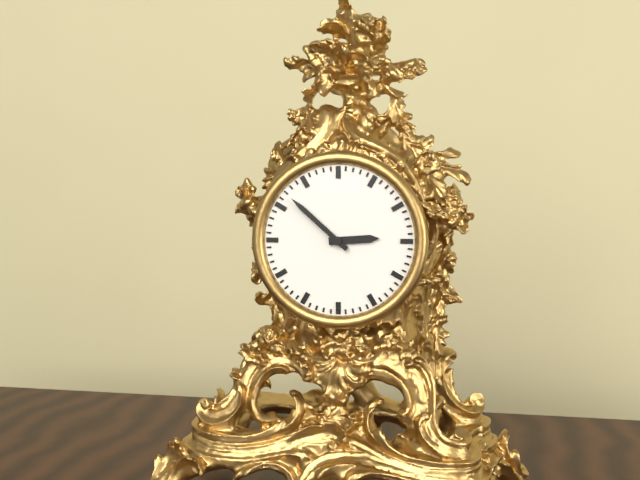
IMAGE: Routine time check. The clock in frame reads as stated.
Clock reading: 2:52
